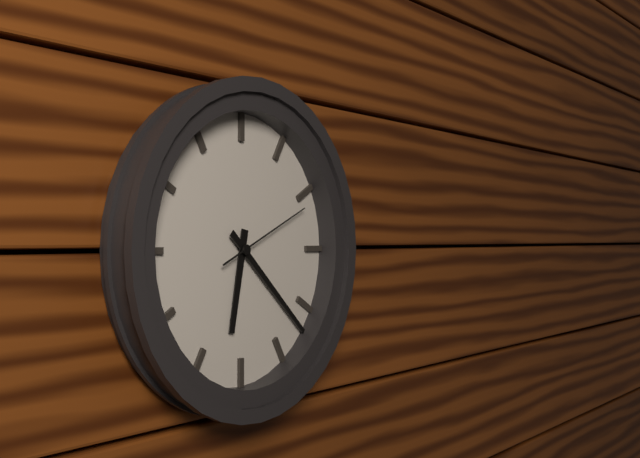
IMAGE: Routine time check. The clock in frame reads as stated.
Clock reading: 6:22:11
